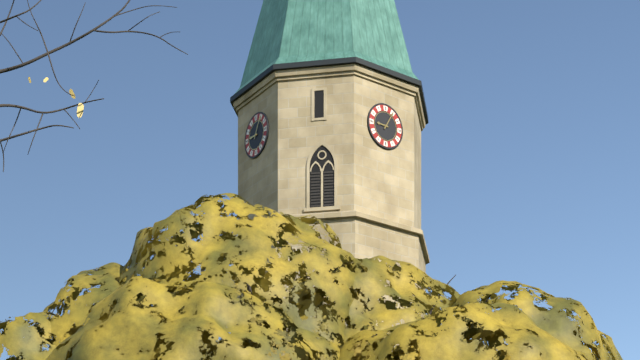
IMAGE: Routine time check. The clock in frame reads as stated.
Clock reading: 9:05
